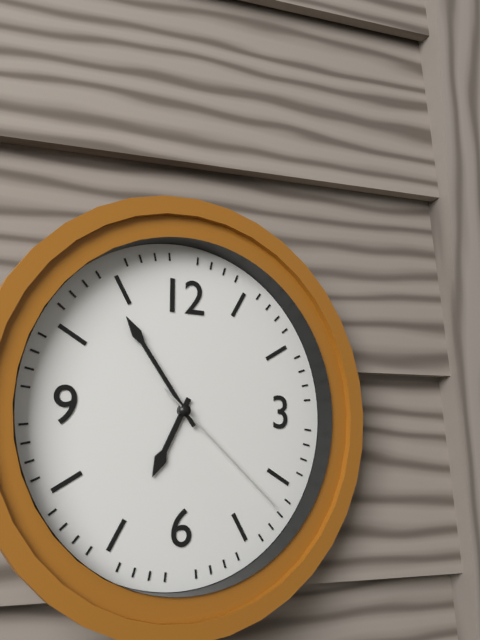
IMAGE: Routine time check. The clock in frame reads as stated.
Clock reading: 6:54:22
